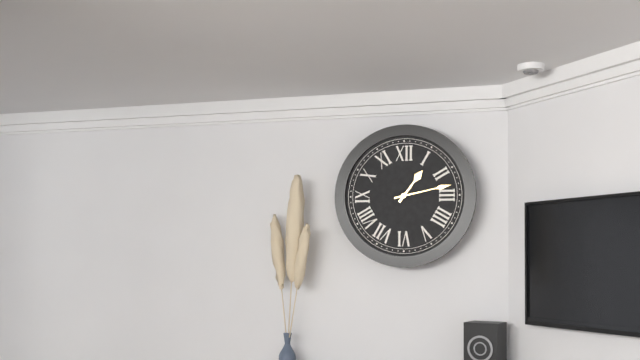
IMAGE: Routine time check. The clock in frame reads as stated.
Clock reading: 1:13
